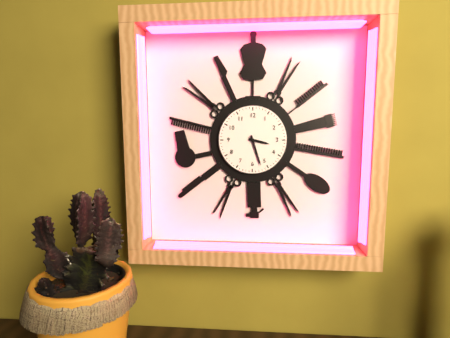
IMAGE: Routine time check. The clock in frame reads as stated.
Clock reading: 3:27
